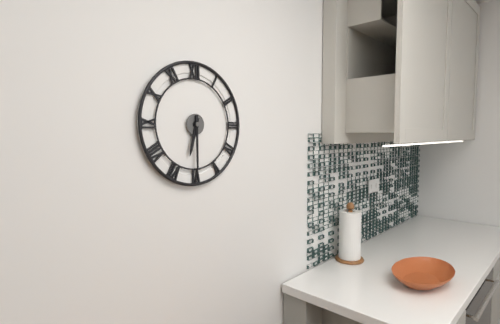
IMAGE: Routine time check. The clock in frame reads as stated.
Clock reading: 6:30
